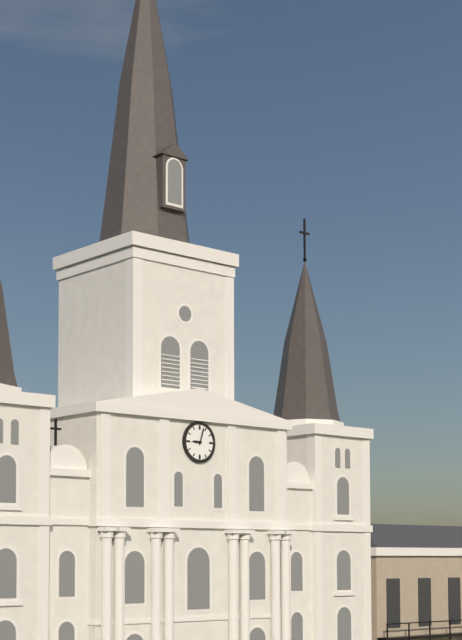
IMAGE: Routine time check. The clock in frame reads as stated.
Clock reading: 9:03
